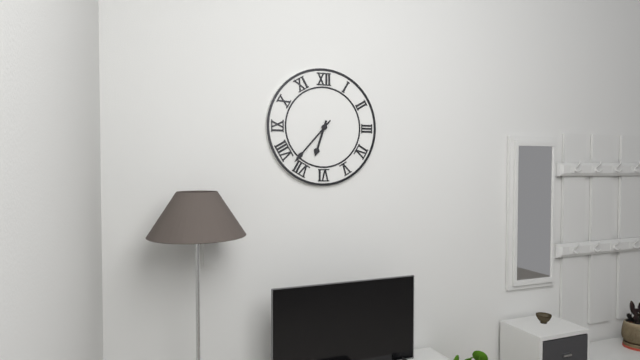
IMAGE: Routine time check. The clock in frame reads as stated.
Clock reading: 6:37
